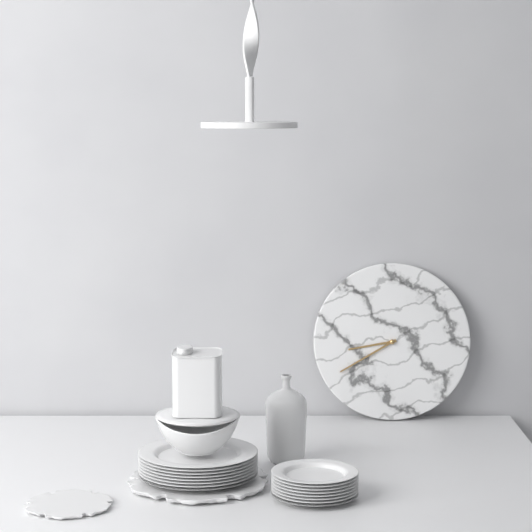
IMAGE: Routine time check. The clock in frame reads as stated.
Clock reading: 8:40
